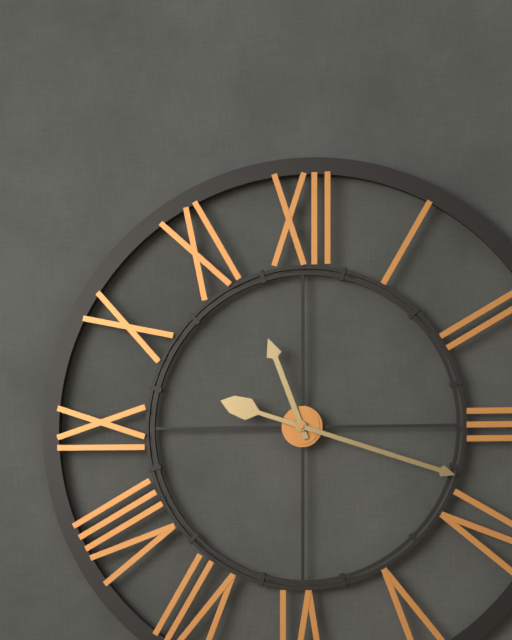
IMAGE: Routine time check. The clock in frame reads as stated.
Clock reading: 11:18
